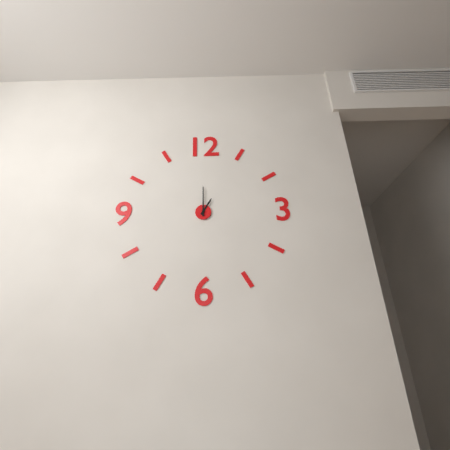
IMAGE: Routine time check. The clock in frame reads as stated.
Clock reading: 1:00
